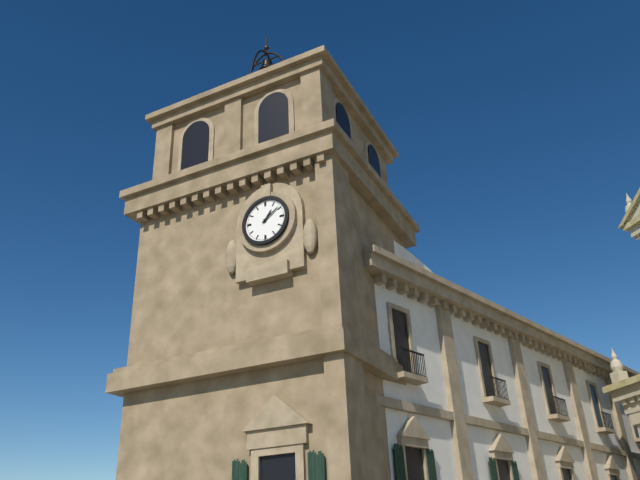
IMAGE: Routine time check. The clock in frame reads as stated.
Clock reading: 1:09
